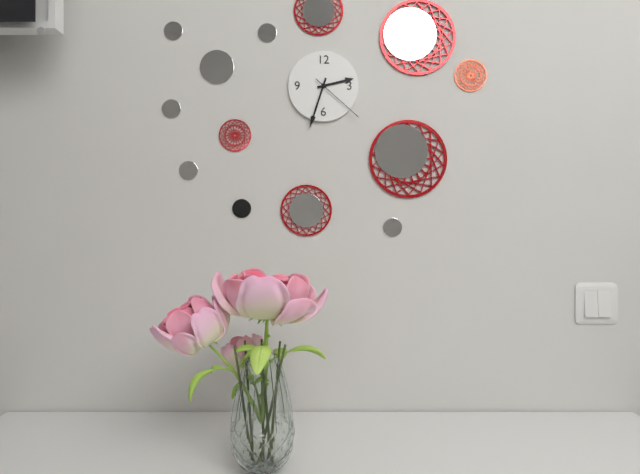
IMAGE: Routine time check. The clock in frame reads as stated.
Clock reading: 2:33:22
